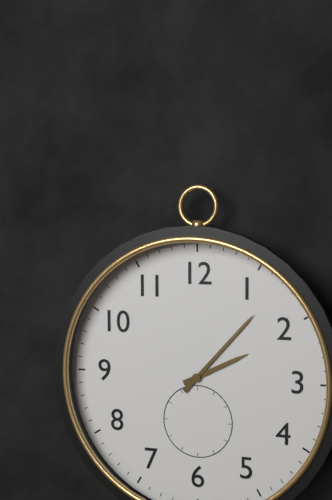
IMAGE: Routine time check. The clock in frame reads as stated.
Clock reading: 2:07
